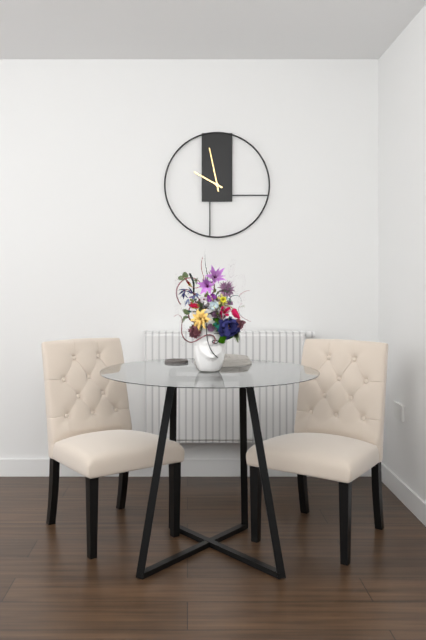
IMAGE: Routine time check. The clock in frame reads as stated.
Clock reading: 9:58
